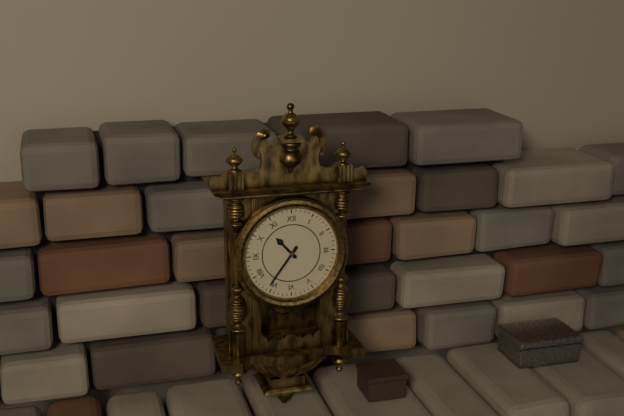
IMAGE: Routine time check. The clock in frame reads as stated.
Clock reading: 10:36
